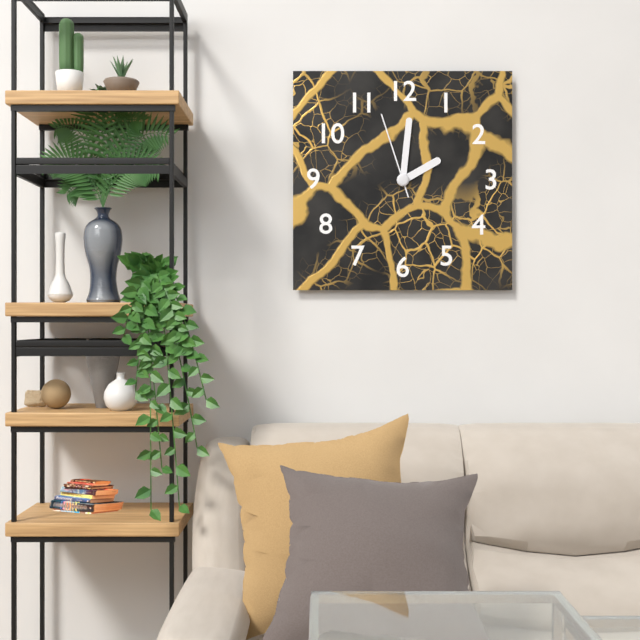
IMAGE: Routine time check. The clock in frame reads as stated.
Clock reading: 2:01:57
